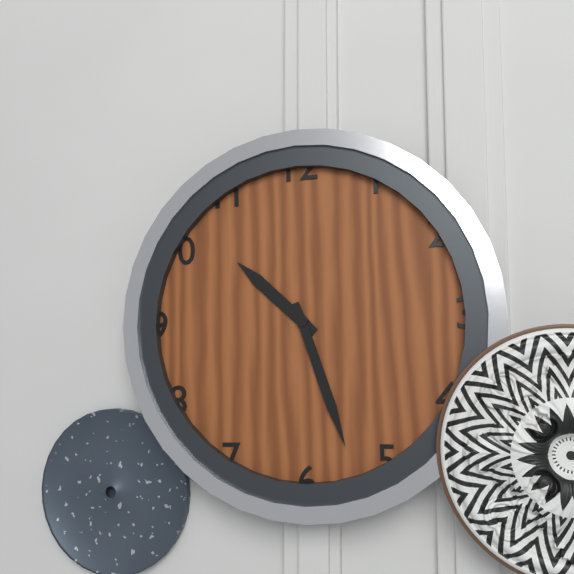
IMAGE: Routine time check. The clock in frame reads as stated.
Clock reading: 10:27
